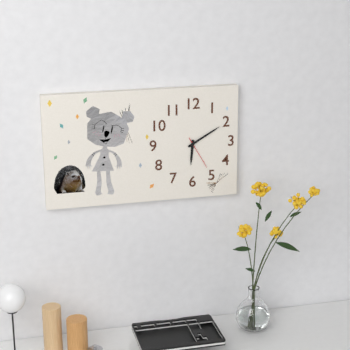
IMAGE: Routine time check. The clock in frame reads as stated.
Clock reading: 6:10
